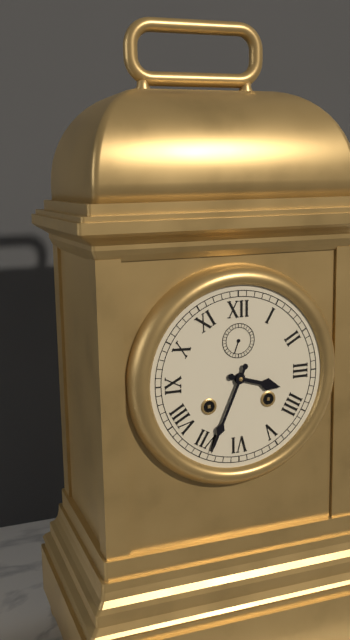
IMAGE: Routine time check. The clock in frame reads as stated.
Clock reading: 3:34
